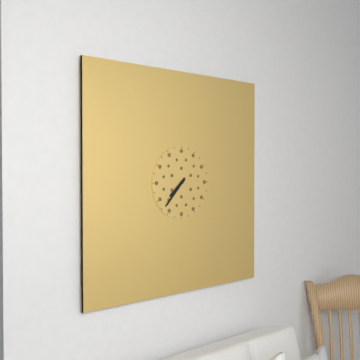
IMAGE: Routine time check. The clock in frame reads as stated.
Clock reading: 7:37
